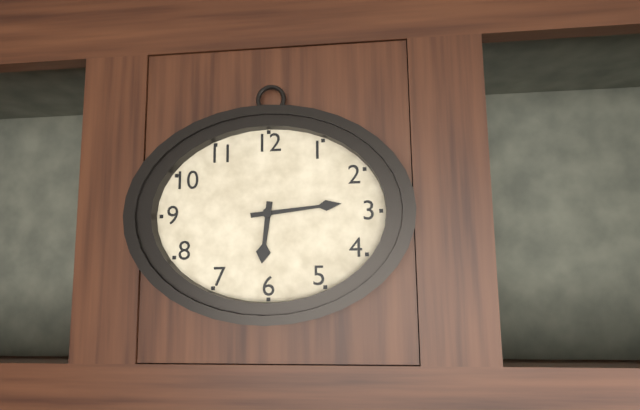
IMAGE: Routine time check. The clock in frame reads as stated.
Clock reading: 6:14
